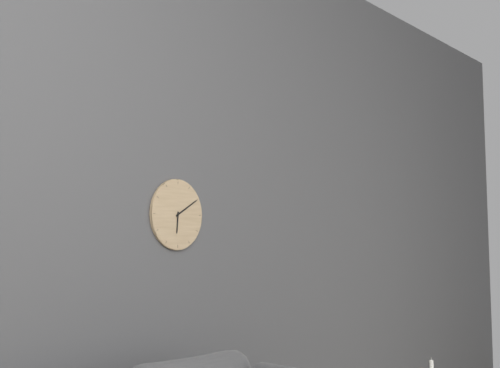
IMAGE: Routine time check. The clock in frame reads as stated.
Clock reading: 6:10
